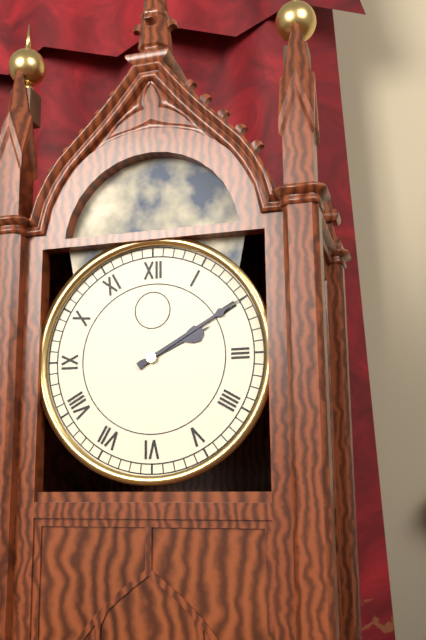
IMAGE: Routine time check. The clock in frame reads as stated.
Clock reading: 2:10
